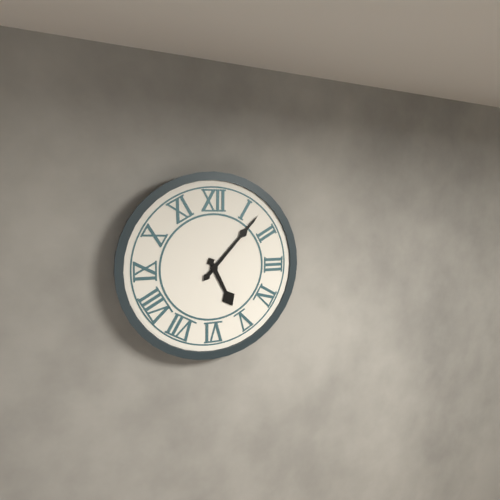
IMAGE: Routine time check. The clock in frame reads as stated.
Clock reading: 5:07
